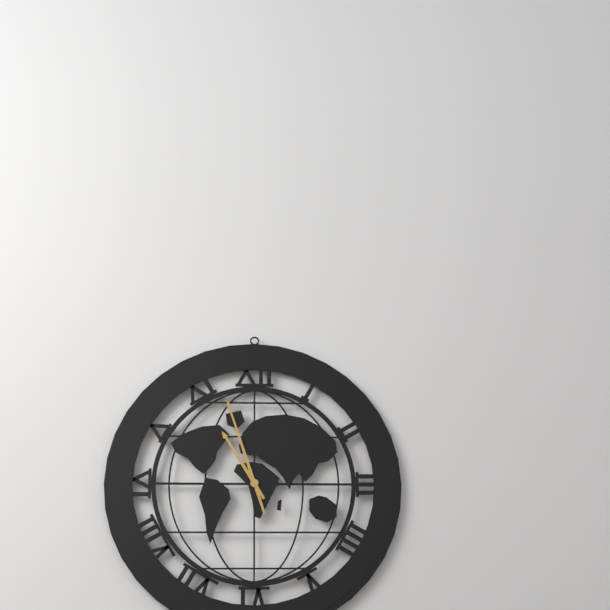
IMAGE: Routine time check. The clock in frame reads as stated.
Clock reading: 10:57
